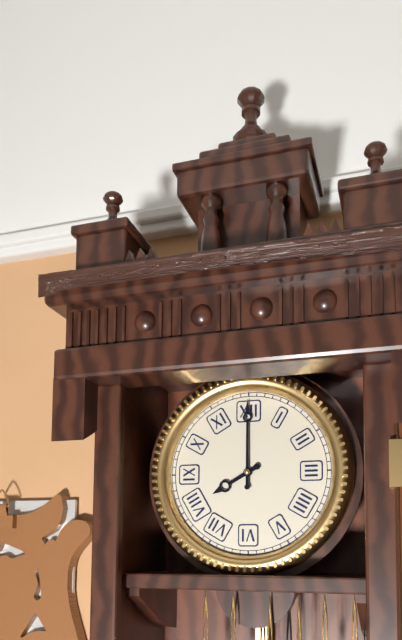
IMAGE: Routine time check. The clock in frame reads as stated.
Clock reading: 8:00
